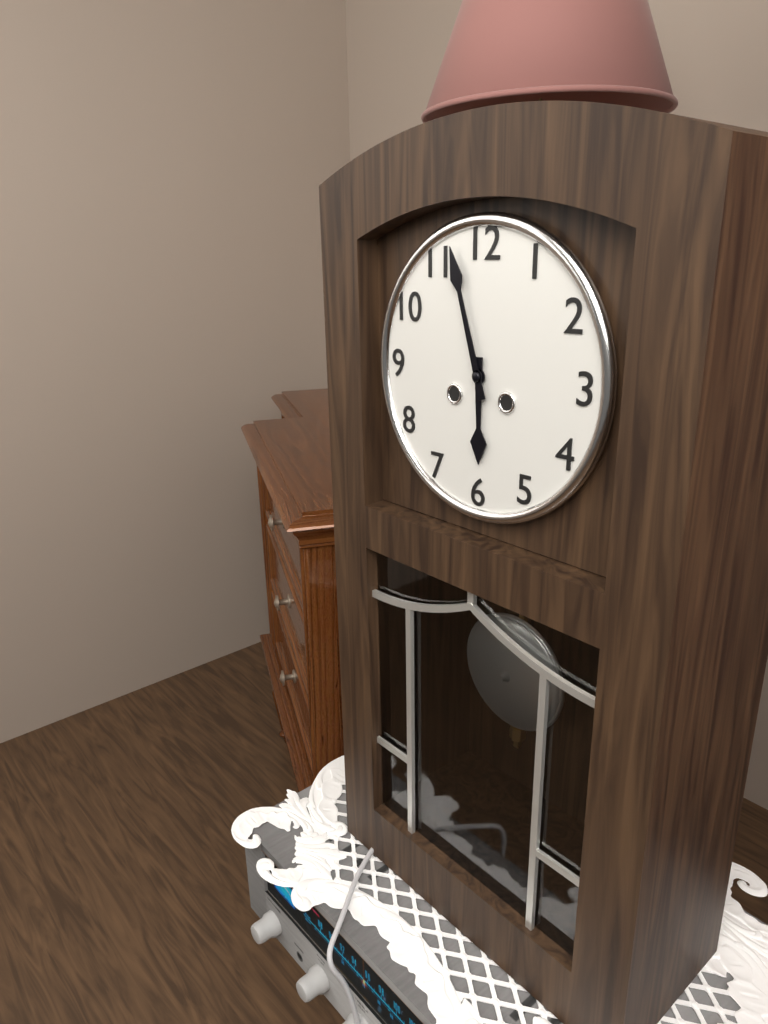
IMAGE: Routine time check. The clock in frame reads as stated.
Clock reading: 5:57
